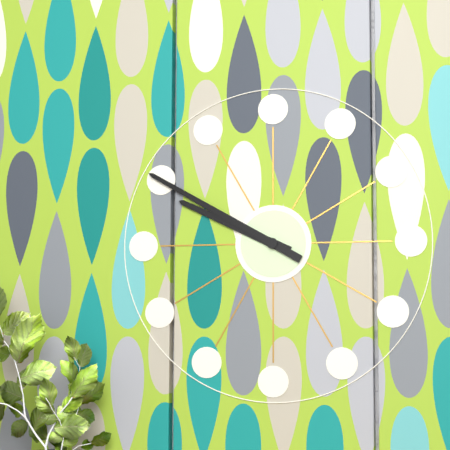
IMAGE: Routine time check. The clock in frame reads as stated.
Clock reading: 9:50
